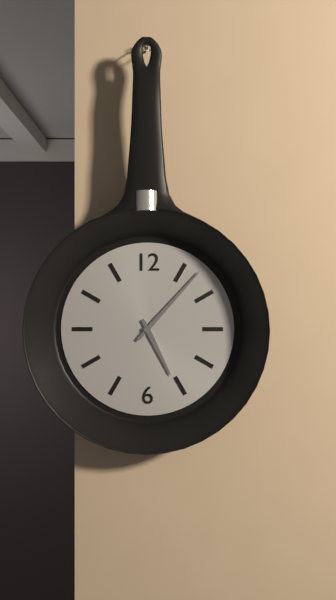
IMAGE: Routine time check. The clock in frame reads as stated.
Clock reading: 5:07
